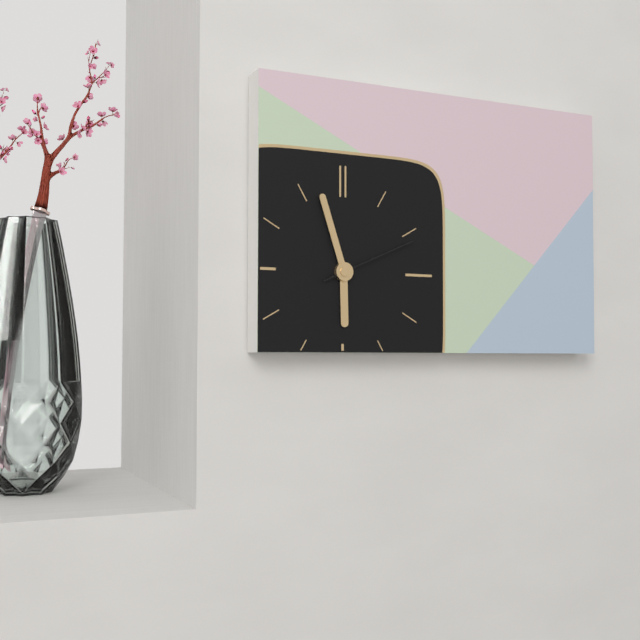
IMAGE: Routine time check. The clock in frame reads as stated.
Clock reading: 5:57:11
